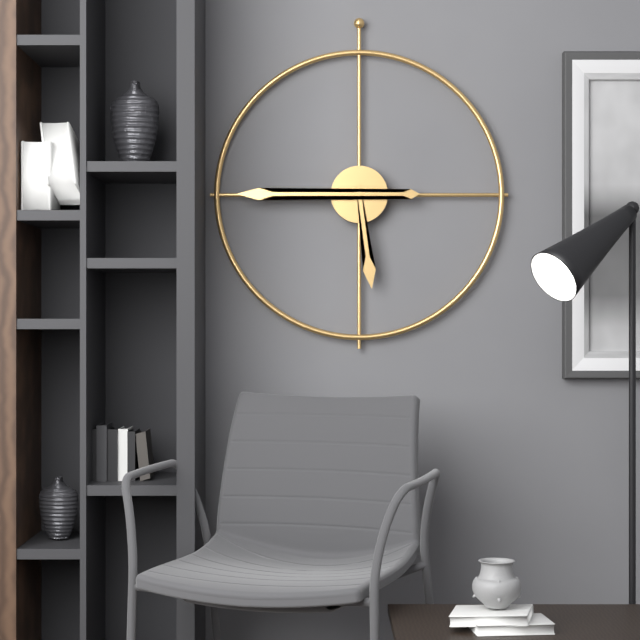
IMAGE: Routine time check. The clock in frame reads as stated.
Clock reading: 5:45
